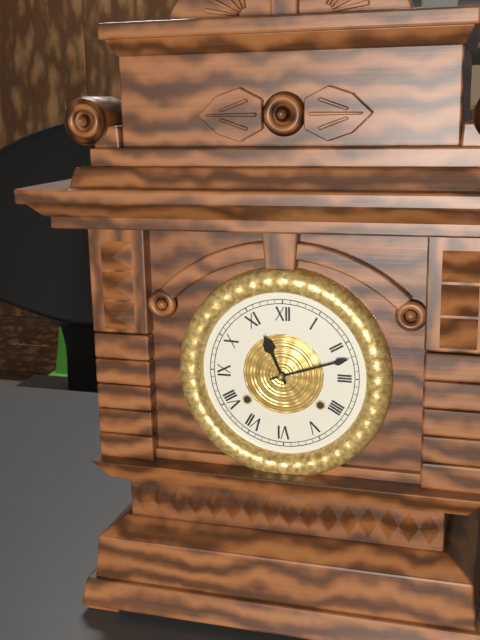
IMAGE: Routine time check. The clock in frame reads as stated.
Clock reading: 11:12
